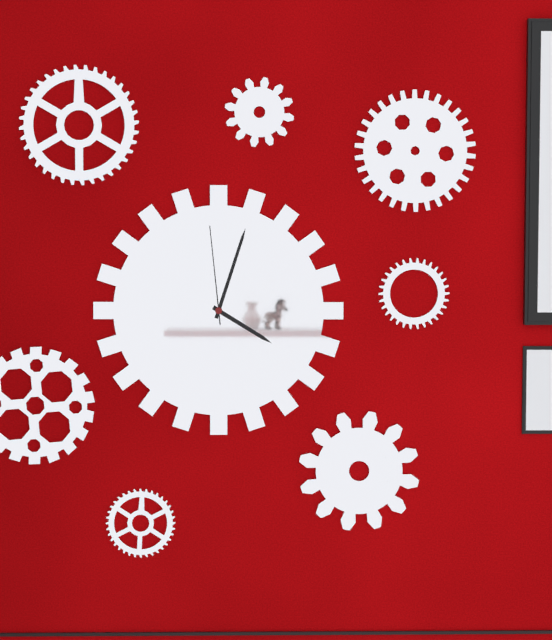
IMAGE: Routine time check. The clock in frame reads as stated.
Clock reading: 4:03:59
